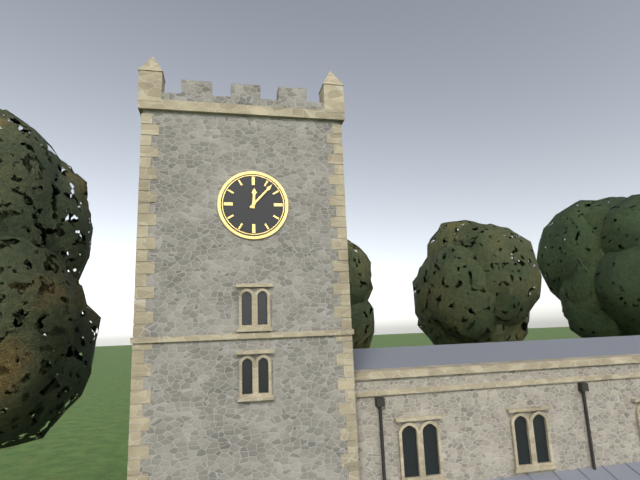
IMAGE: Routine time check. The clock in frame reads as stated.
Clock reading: 12:07
